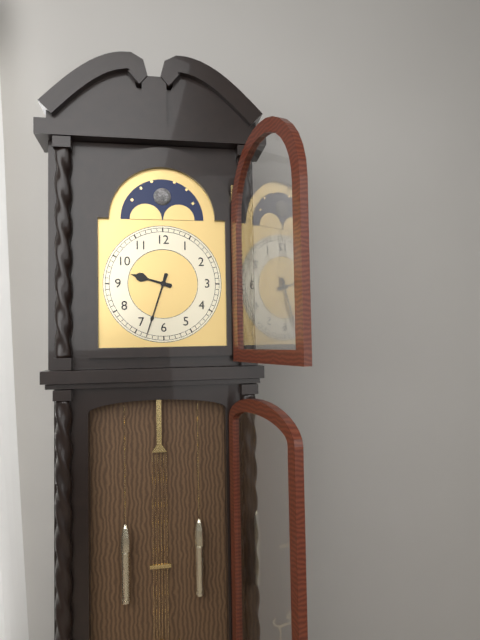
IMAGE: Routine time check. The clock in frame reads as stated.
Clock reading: 9:33
